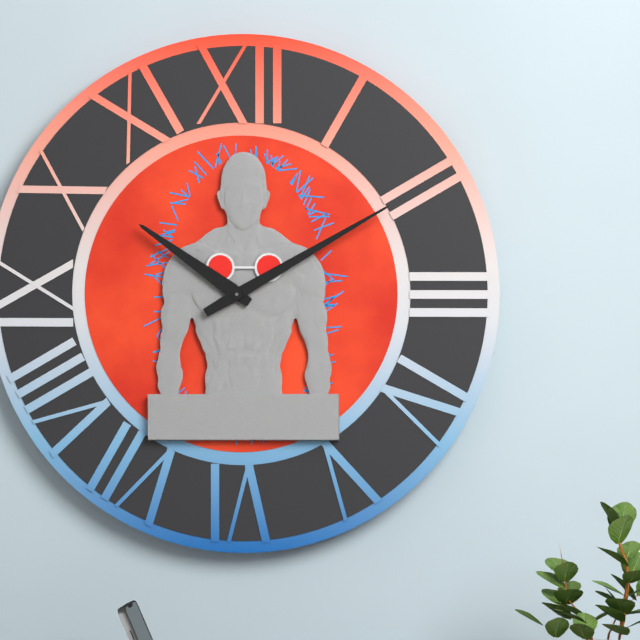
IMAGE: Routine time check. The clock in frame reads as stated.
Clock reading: 10:10
